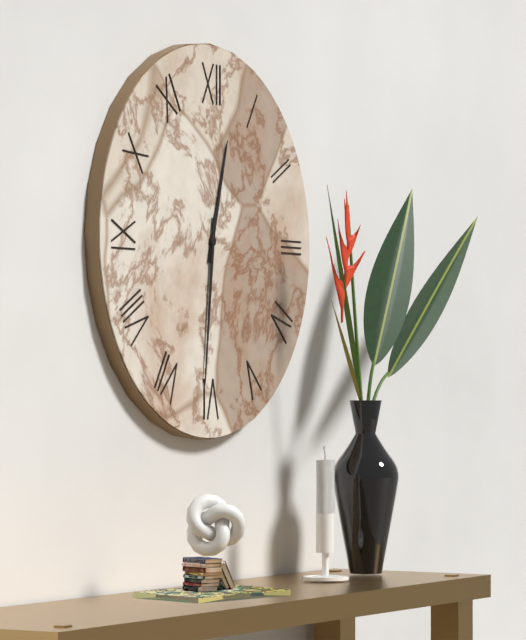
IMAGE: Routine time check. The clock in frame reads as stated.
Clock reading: 12:31
